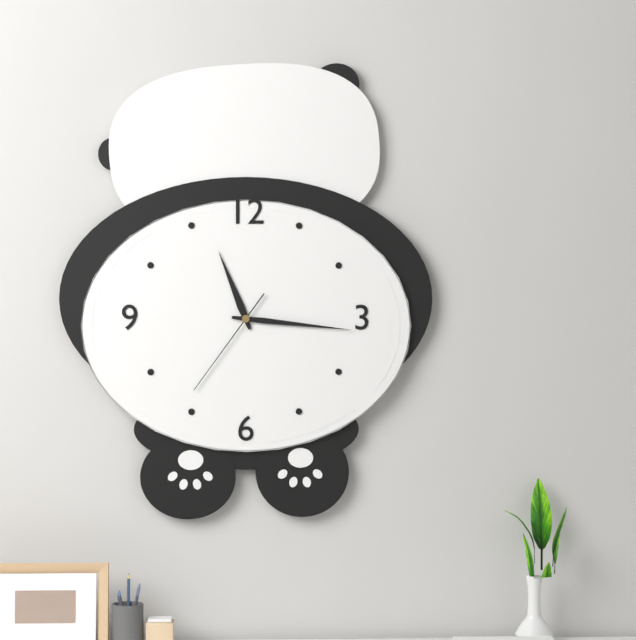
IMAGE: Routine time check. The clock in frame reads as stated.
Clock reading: 11:16:36
